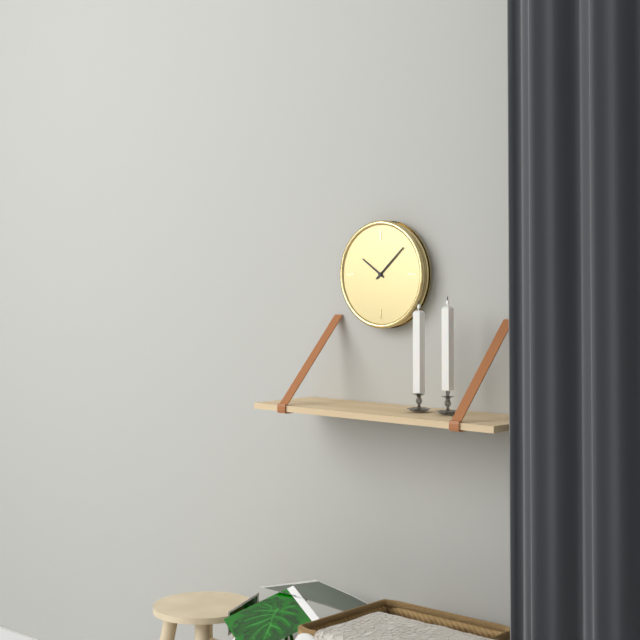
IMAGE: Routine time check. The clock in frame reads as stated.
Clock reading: 10:08
